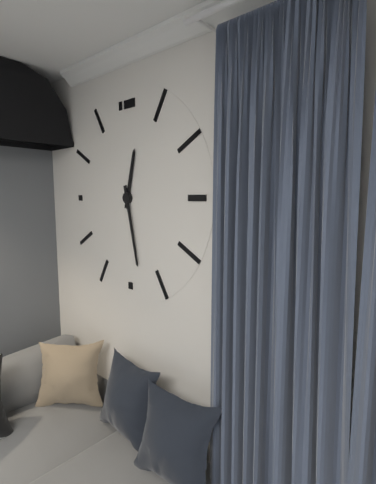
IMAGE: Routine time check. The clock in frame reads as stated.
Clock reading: 12:28
